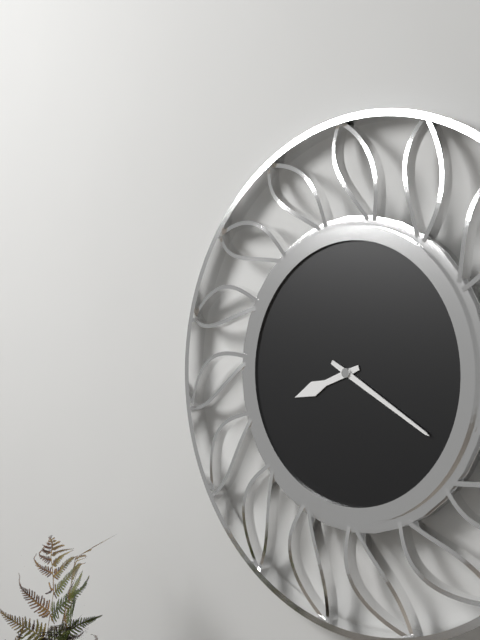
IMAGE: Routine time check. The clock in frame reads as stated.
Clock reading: 8:20
